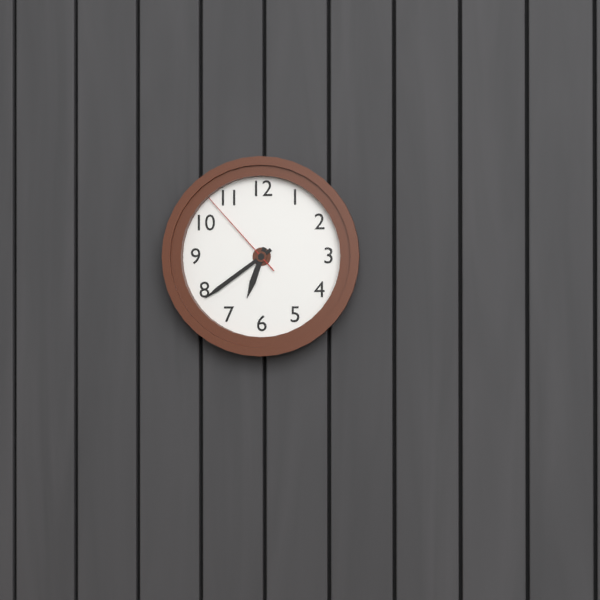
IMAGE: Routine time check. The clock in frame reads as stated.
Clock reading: 6:39:53
